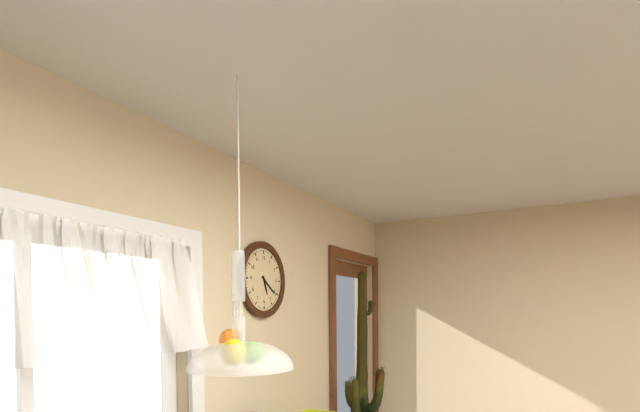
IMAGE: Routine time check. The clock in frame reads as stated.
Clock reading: 5:21
